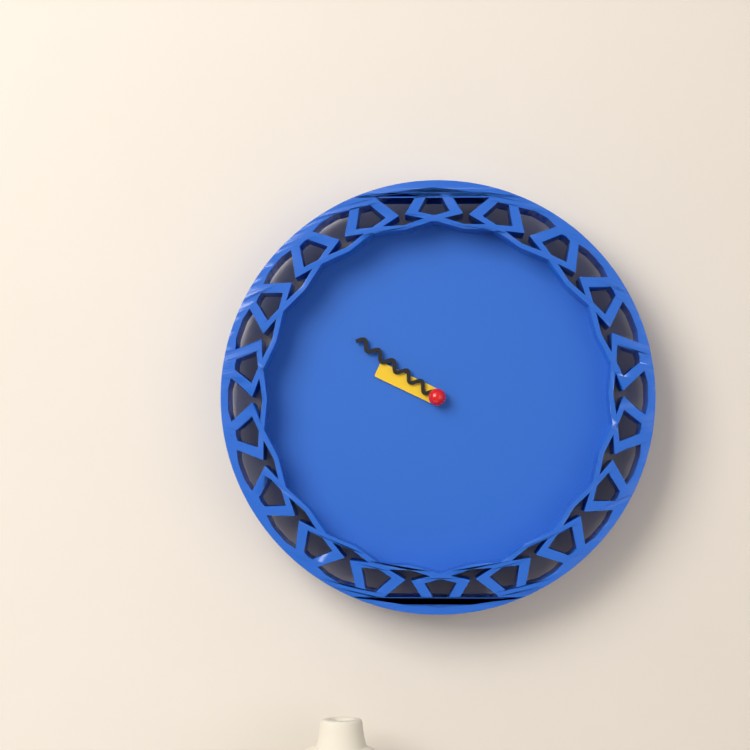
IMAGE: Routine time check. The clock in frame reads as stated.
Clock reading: 9:51
